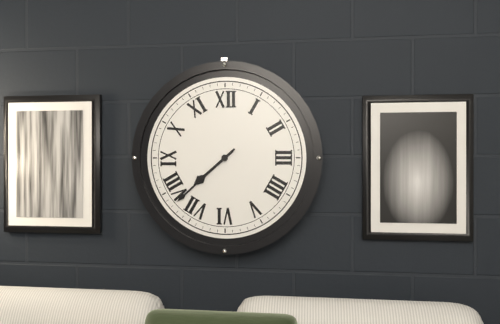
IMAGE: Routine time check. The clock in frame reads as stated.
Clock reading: 7:38
